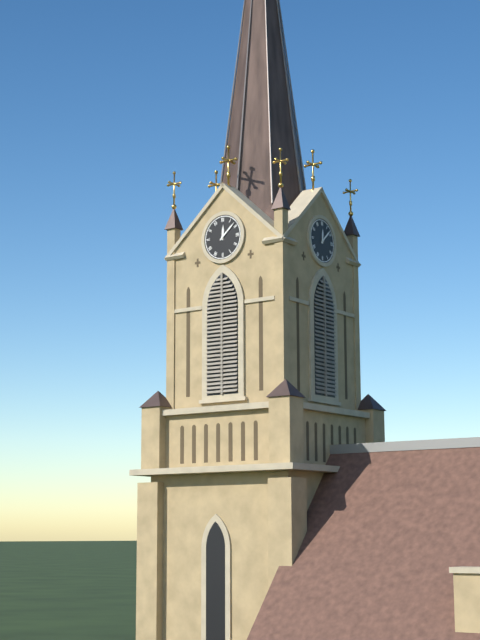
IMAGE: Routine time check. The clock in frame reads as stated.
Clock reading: 12:08
